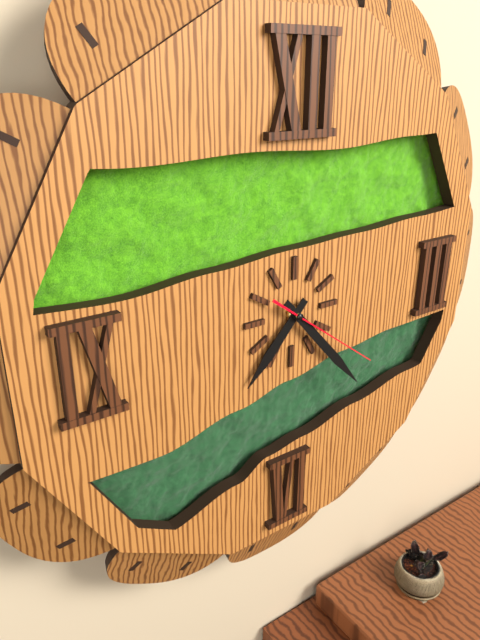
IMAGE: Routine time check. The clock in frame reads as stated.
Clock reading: 7:23:21
